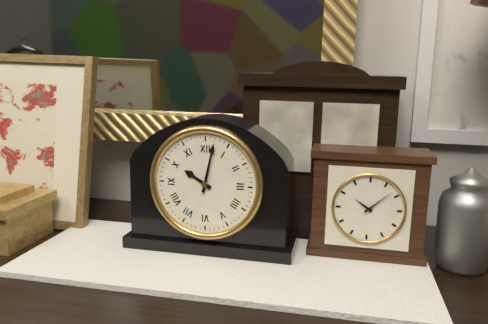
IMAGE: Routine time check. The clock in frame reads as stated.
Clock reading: 10:02
